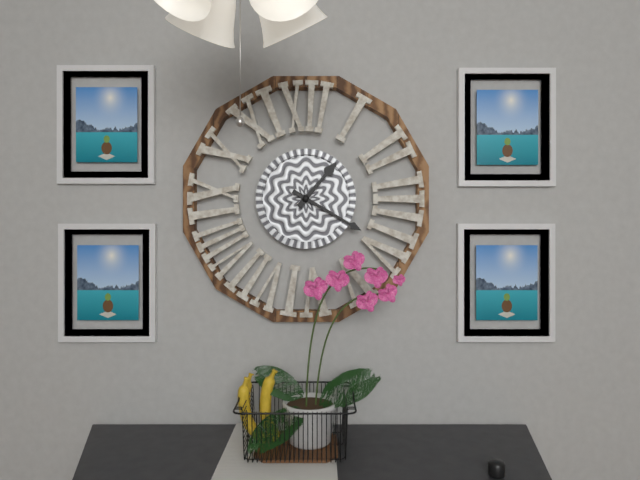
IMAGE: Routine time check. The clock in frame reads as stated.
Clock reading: 1:20
